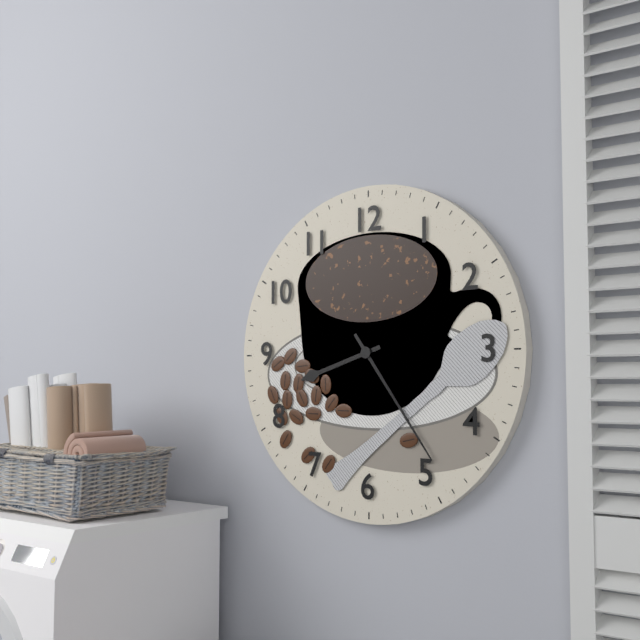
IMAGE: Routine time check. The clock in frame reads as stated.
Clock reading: 8:24
